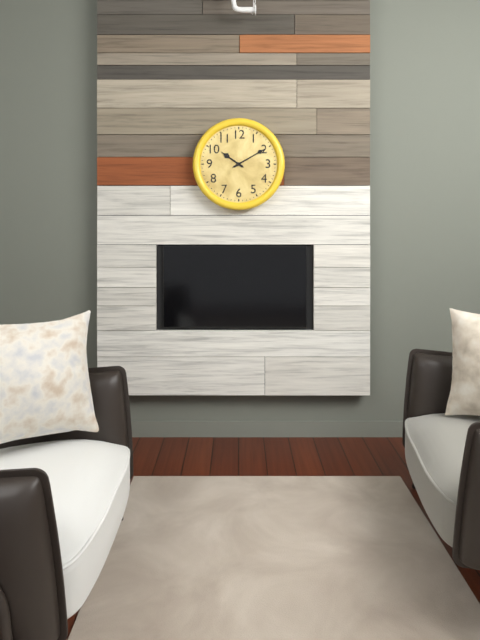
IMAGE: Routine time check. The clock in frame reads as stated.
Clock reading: 10:10
